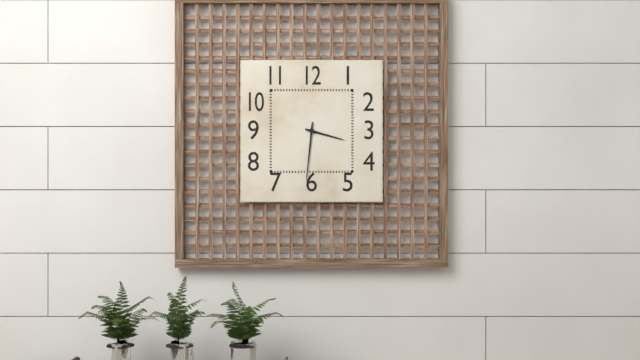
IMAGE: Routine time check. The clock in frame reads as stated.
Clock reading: 3:31
